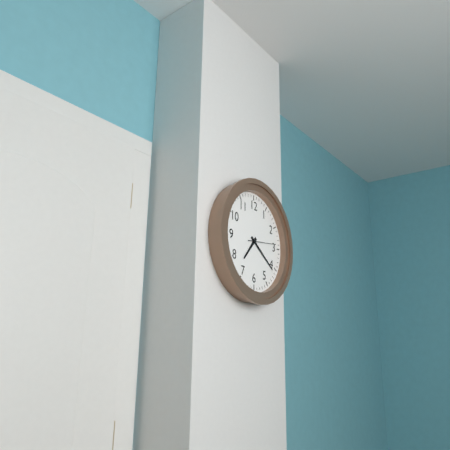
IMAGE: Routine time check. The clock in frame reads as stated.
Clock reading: 7:21
